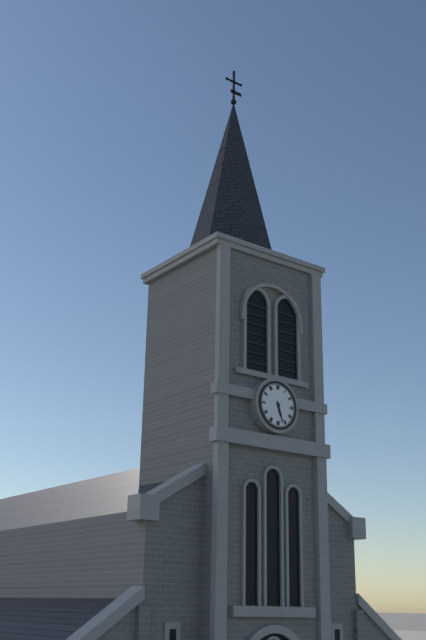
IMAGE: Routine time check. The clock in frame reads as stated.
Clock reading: 5:27
